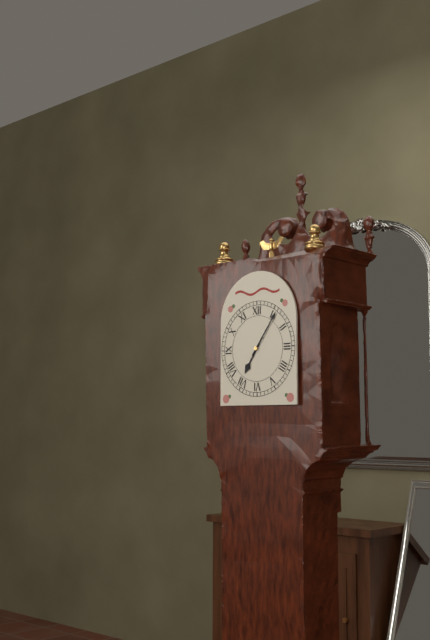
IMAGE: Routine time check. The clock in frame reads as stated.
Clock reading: 7:06
